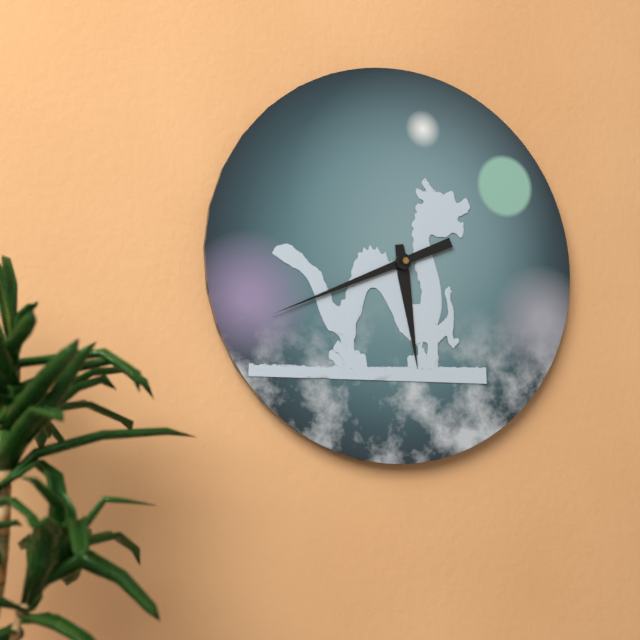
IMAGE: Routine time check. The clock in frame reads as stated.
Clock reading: 5:41
